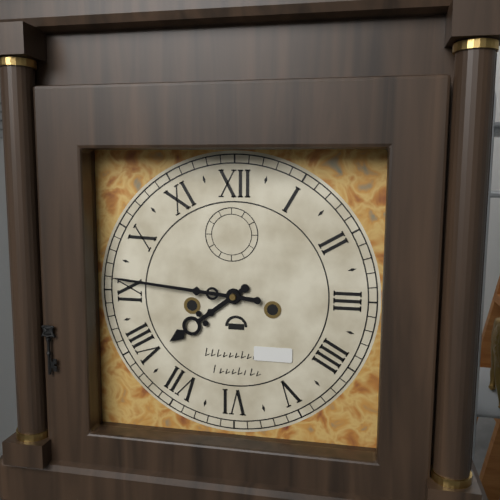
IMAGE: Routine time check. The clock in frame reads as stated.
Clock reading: 7:46
